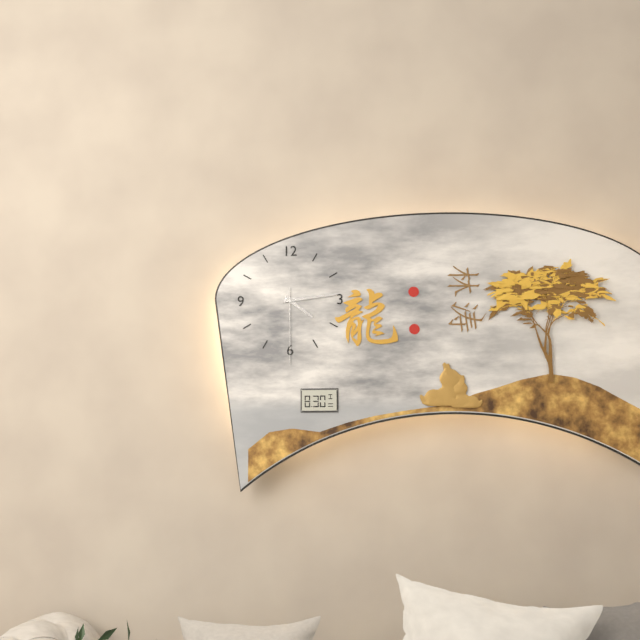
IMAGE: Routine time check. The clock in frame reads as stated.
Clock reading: 4:14:30
